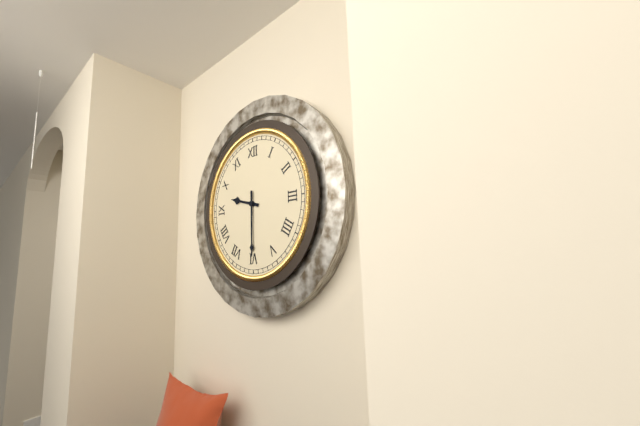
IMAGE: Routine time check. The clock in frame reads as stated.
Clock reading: 9:30
